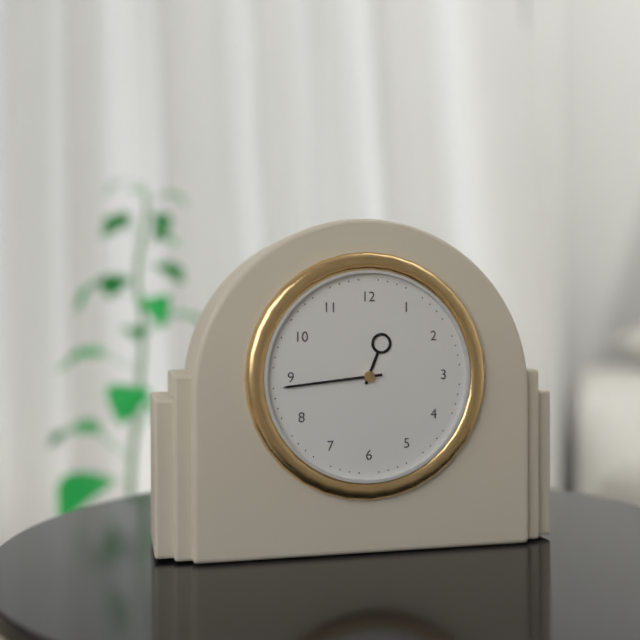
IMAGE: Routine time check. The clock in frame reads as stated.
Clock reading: 12:44
